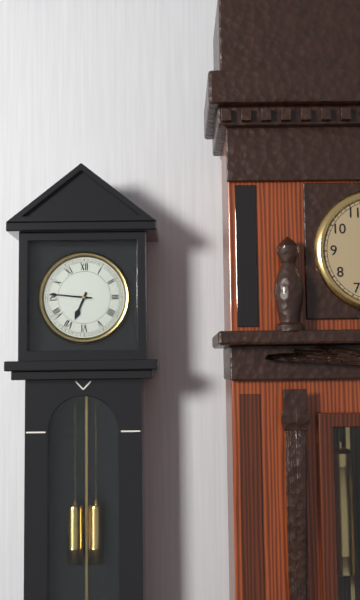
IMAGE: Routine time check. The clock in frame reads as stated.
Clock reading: 6:46
